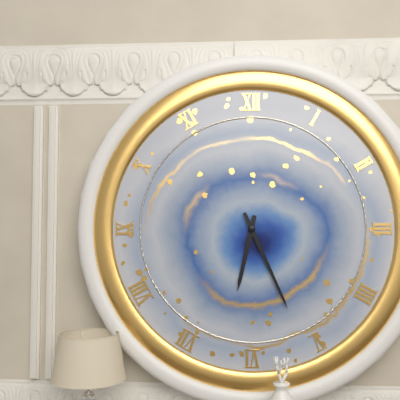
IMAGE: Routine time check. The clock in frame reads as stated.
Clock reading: 6:26
